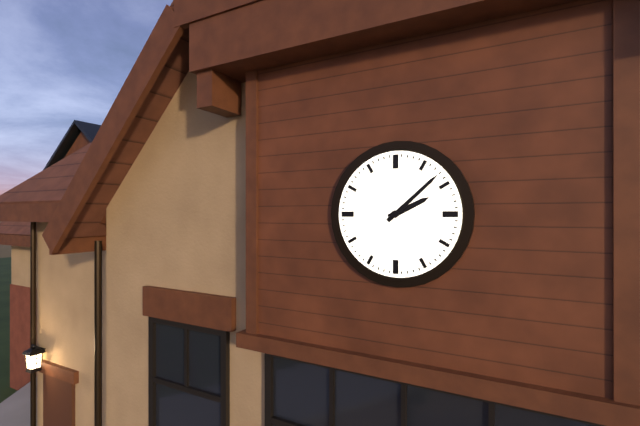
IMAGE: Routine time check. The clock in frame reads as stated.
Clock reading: 2:08
